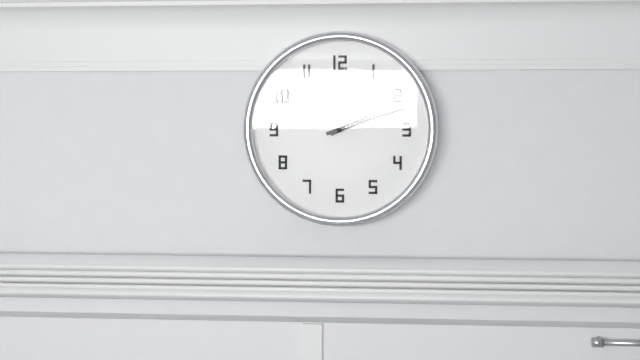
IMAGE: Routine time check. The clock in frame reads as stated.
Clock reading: 2:12
